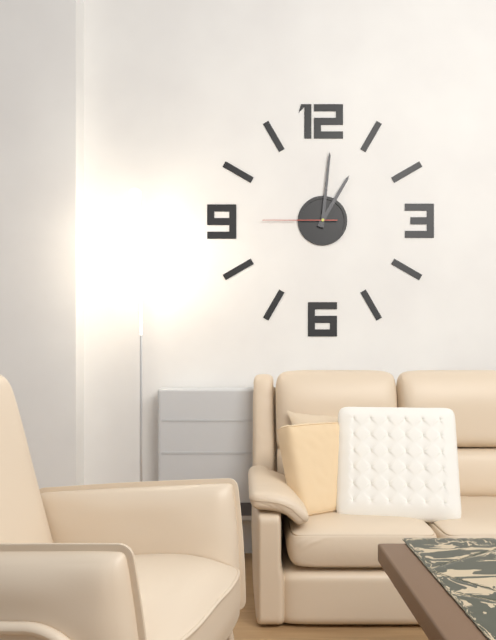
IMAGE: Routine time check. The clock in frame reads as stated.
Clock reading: 1:01:45
